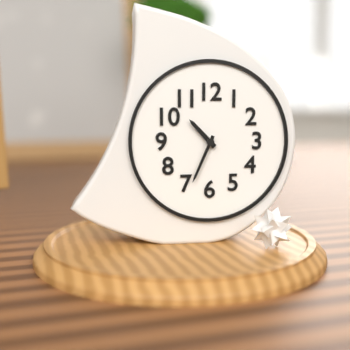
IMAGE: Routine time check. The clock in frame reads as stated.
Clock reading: 10:34
